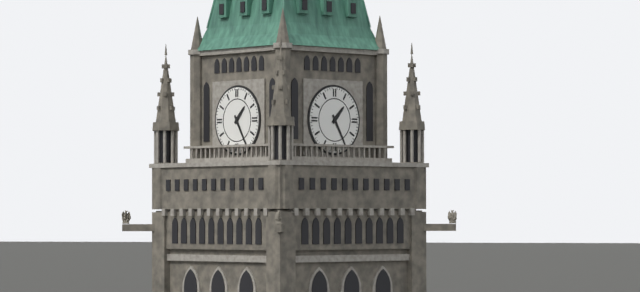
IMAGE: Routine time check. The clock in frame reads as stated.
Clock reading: 1:25
